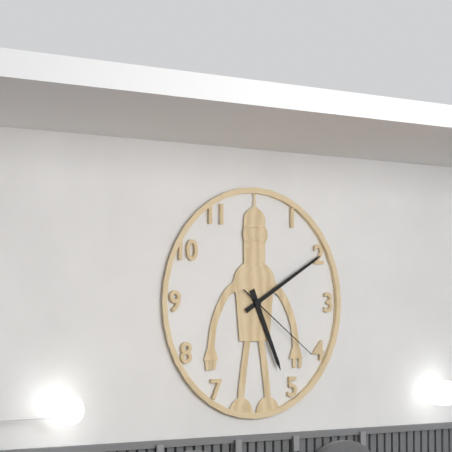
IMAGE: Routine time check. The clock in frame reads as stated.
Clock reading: 5:10:21
